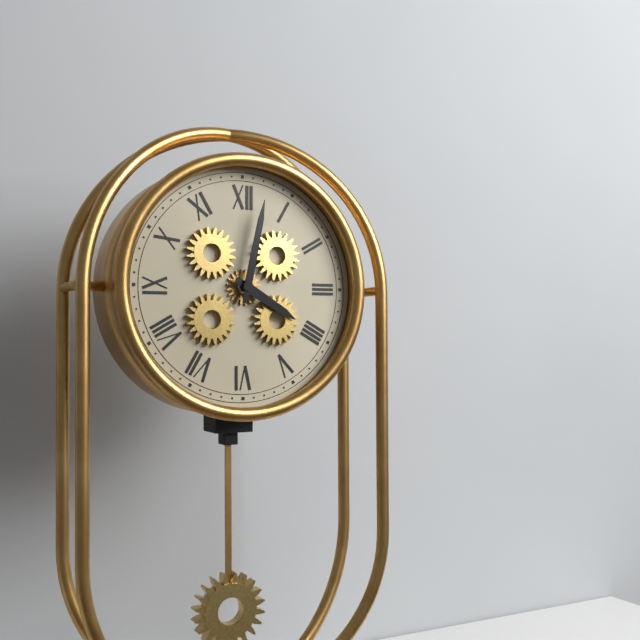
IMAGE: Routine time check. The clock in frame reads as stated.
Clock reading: 4:02
